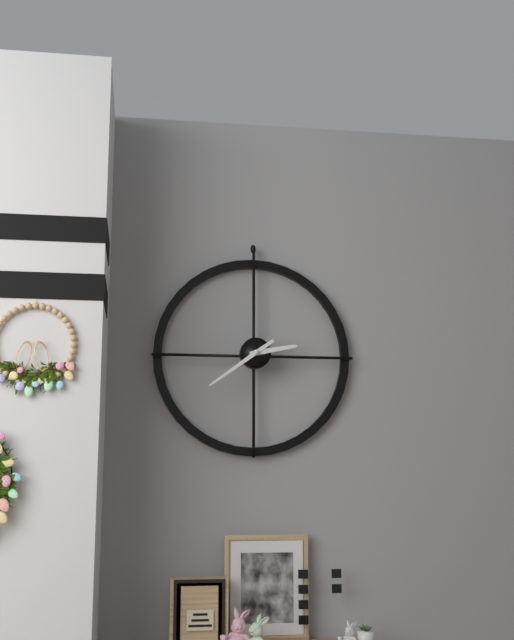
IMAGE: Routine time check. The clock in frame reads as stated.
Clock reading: 2:39
